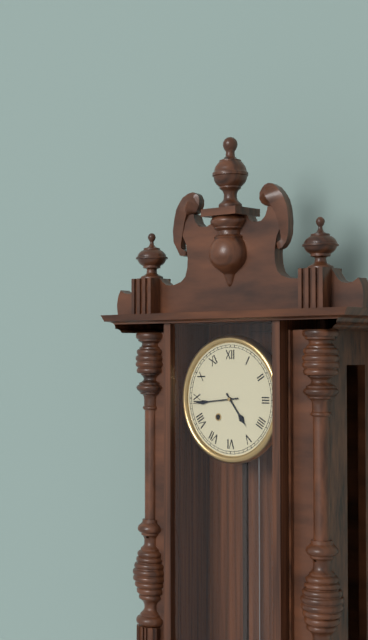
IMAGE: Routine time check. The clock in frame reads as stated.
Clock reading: 4:44
